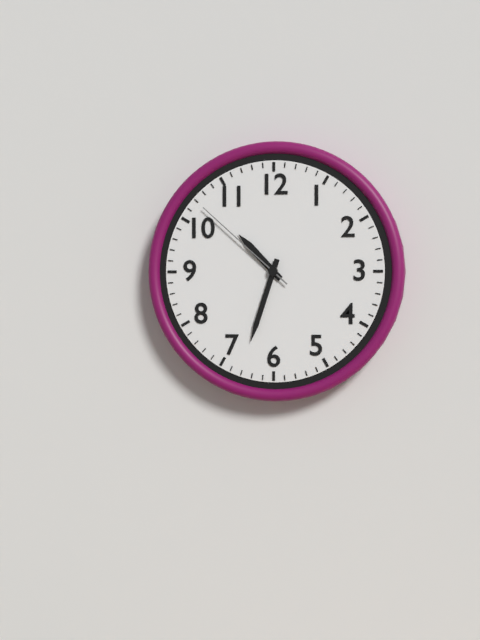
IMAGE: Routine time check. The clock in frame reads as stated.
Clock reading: 10:33:52
